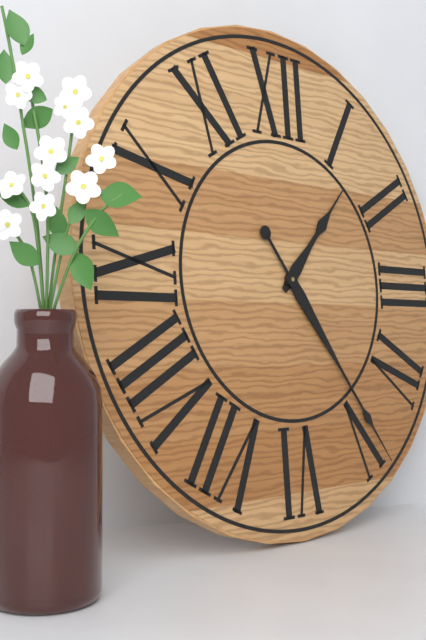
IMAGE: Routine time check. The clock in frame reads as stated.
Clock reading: 1:24
